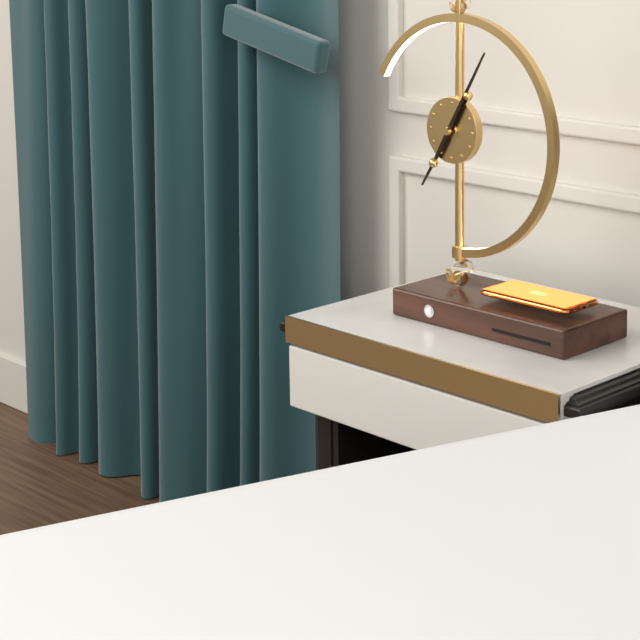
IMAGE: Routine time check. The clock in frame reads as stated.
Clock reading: 7:05
